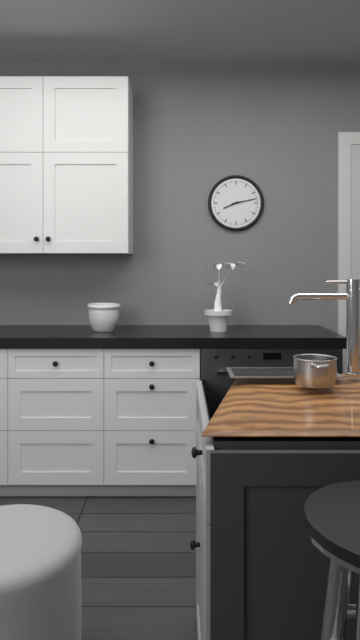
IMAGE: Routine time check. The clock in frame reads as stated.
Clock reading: 8:13
